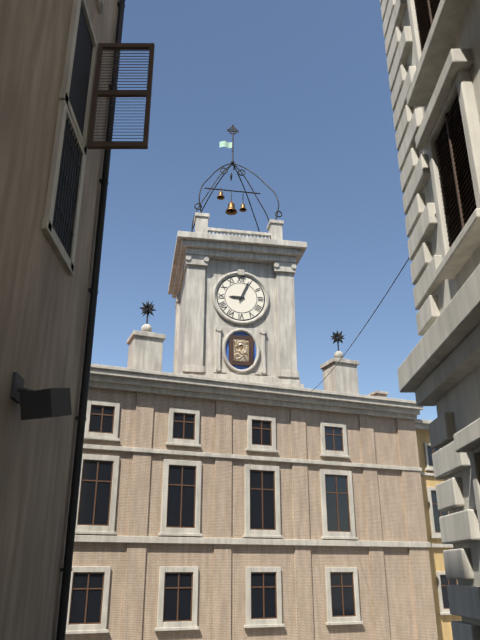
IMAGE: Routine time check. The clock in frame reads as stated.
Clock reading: 9:04
